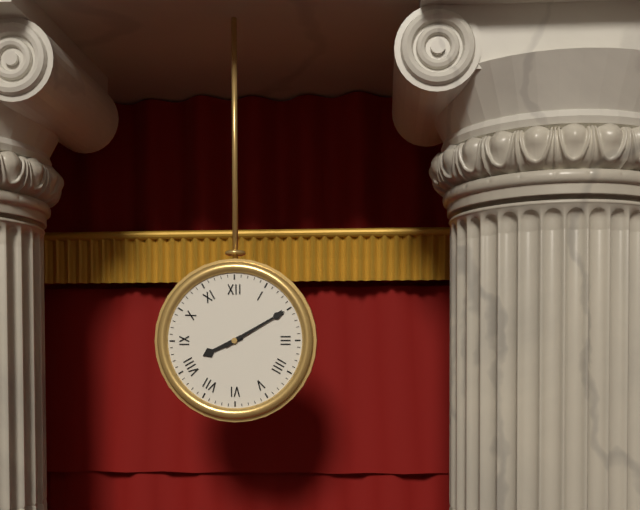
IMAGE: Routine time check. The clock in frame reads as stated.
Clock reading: 8:10
